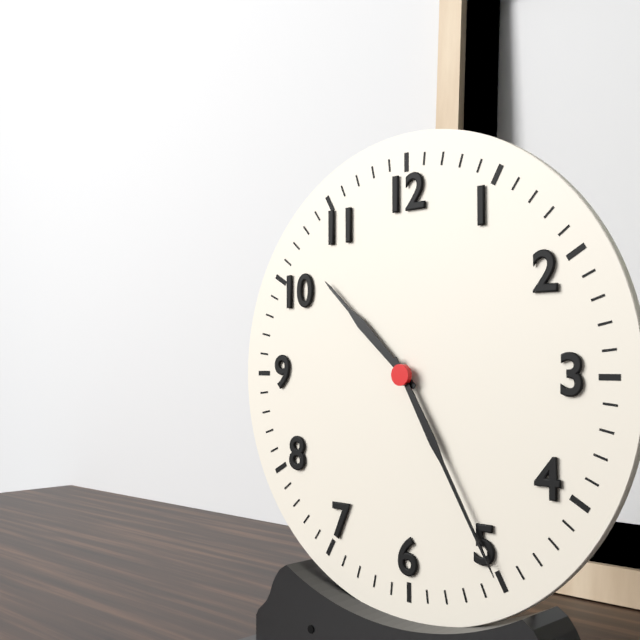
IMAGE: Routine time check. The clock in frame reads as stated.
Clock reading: 10:25
